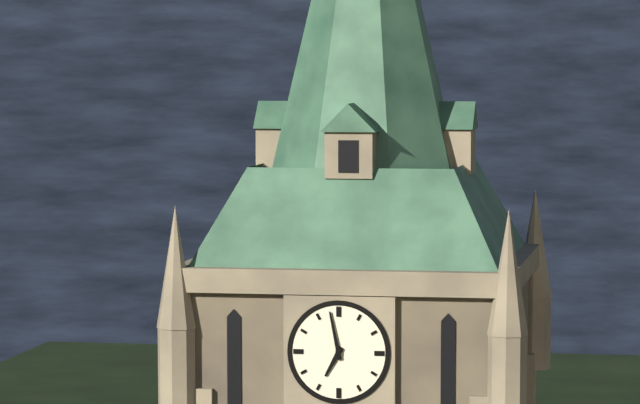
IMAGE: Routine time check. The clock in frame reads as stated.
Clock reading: 6:58
